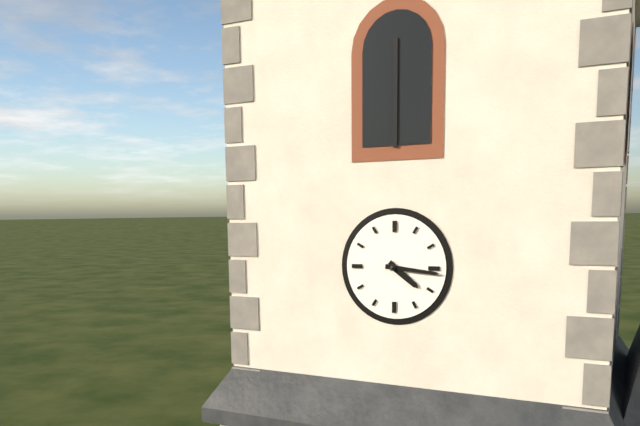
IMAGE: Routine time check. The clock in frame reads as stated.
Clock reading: 4:16
